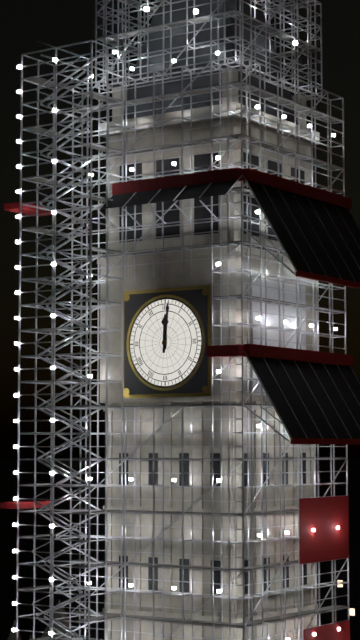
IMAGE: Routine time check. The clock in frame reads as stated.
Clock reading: 12:01
